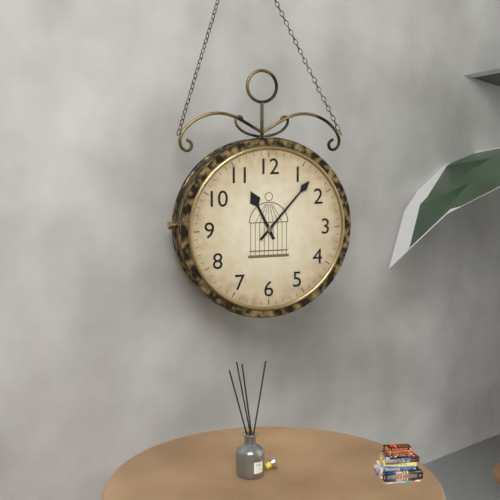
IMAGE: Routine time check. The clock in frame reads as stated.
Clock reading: 11:07
